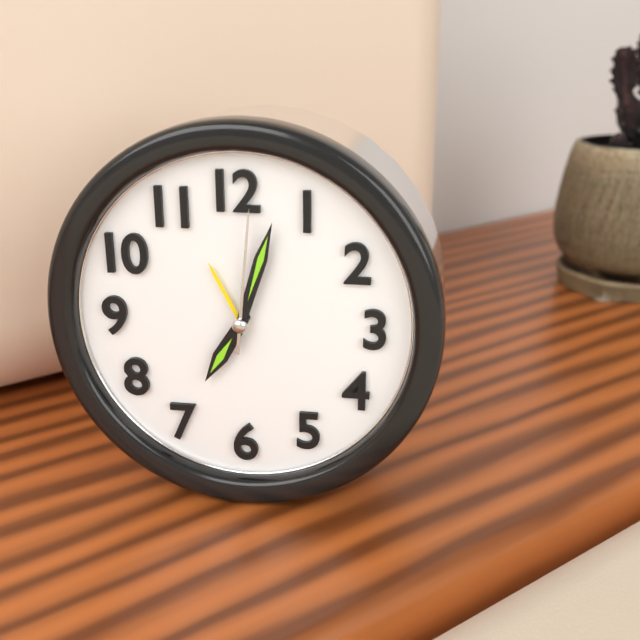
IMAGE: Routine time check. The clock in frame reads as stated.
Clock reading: 7:03:01
